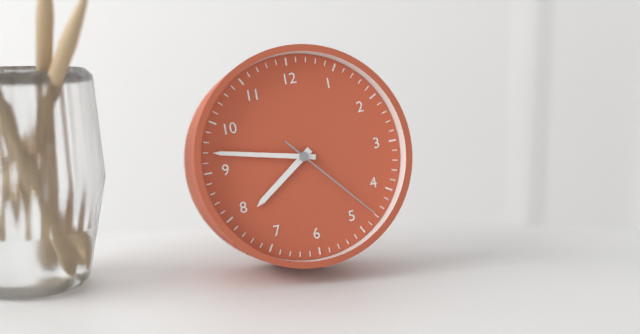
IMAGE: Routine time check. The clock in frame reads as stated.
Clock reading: 7:47:23
